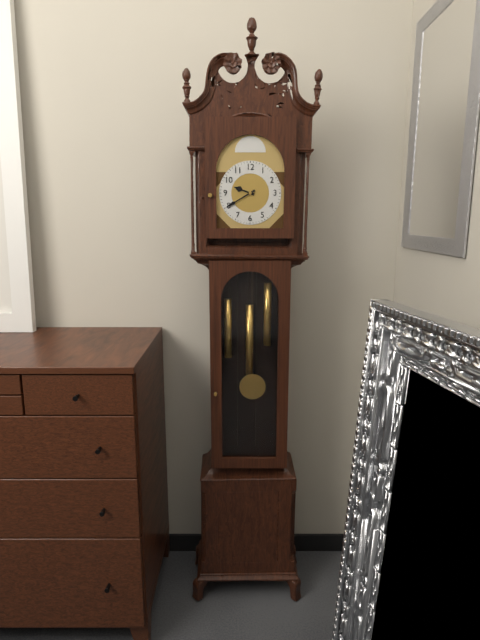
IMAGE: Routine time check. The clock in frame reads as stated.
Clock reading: 9:40
